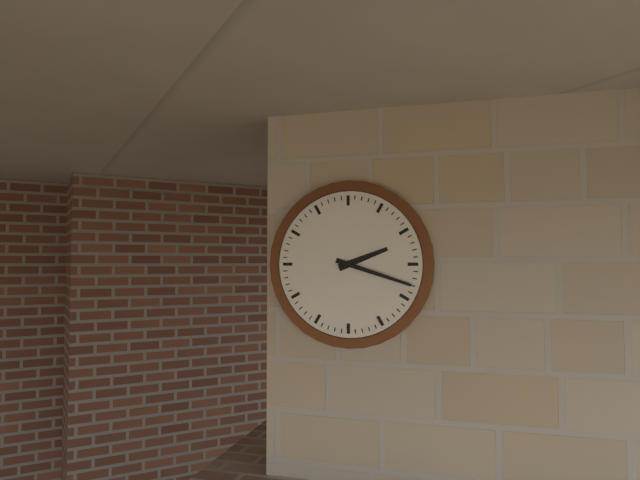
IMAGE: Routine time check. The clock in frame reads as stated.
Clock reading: 2:18
